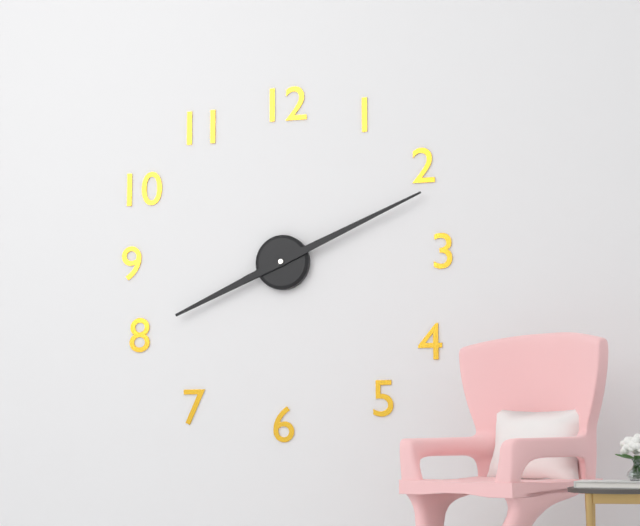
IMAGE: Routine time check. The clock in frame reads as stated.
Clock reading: 8:11
